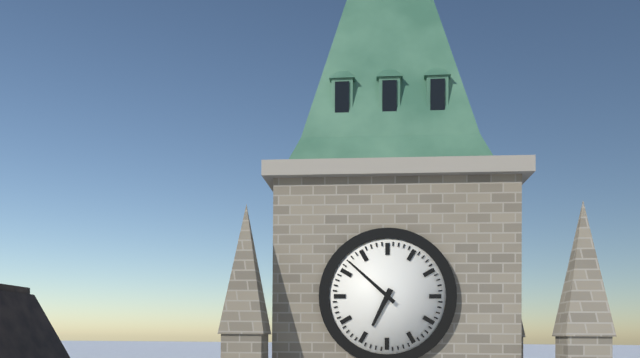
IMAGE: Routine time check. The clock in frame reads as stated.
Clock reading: 6:52
